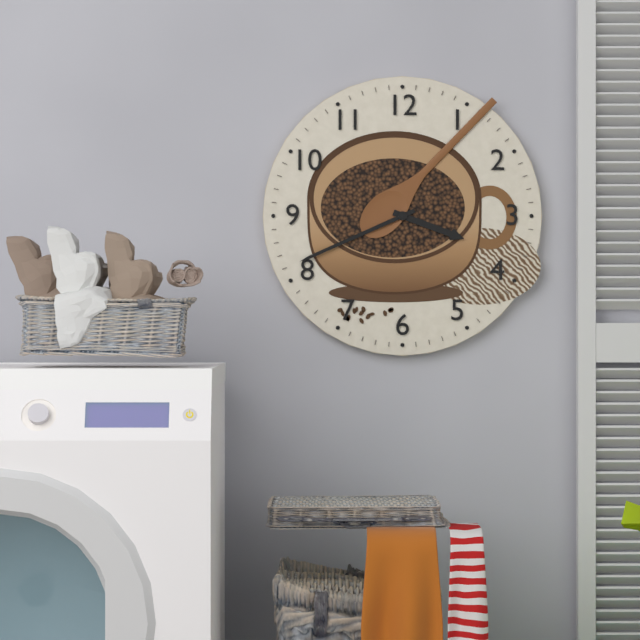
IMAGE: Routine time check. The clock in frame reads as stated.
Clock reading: 3:41
